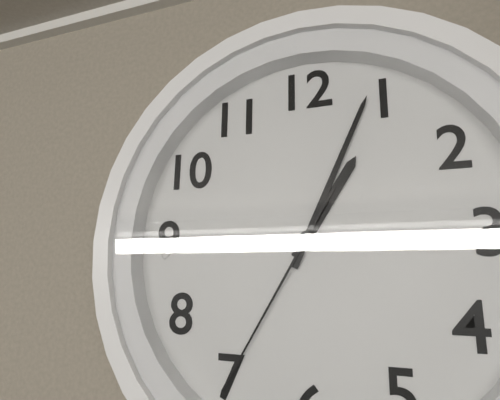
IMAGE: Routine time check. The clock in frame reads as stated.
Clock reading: 1:04:35
